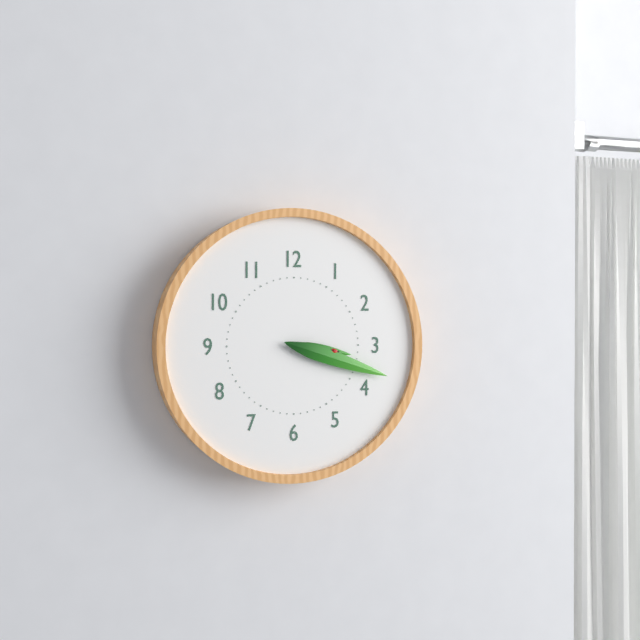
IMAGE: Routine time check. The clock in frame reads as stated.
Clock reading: 3:18
